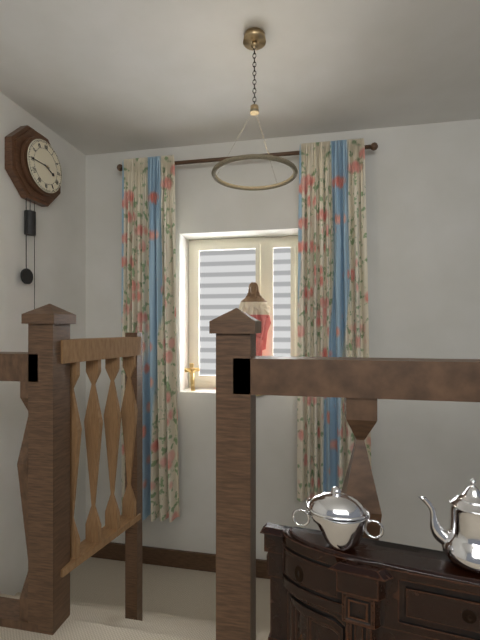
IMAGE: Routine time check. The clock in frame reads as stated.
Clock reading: 3:45
